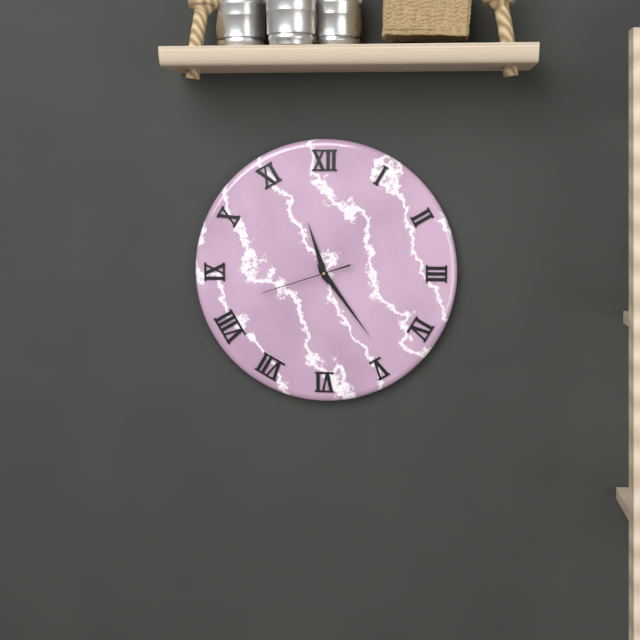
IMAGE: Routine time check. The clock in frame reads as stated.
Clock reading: 11:24:42
